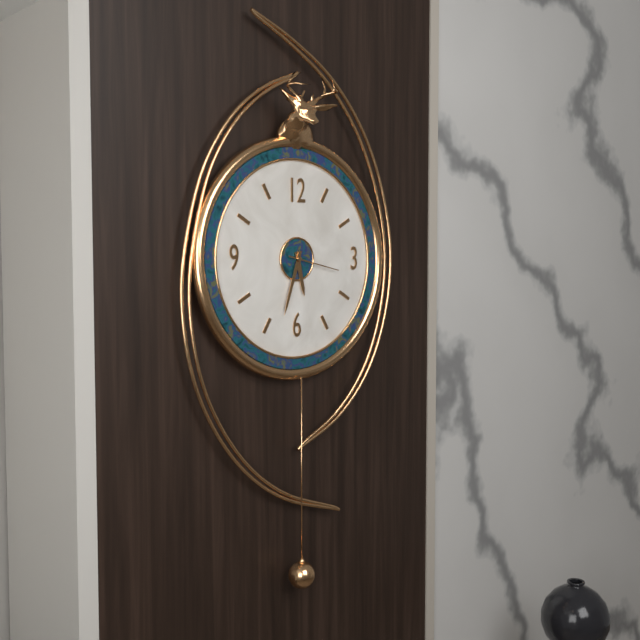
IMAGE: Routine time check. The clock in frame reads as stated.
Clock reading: 5:33:17
